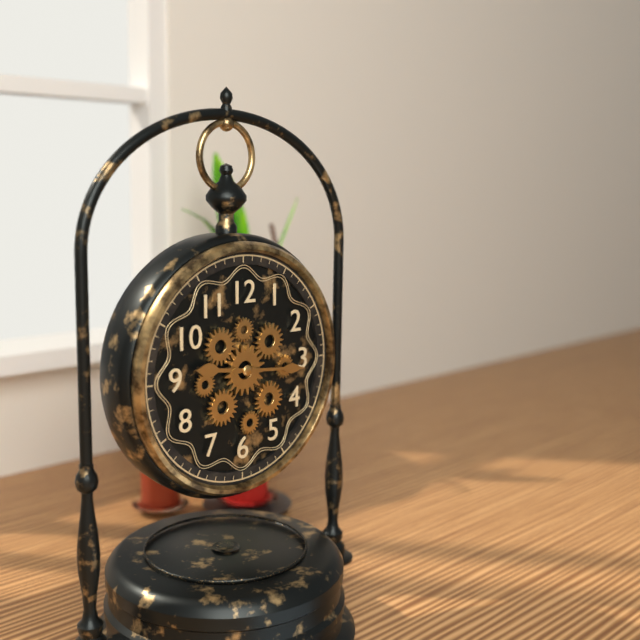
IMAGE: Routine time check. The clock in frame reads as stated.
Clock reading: 9:16
